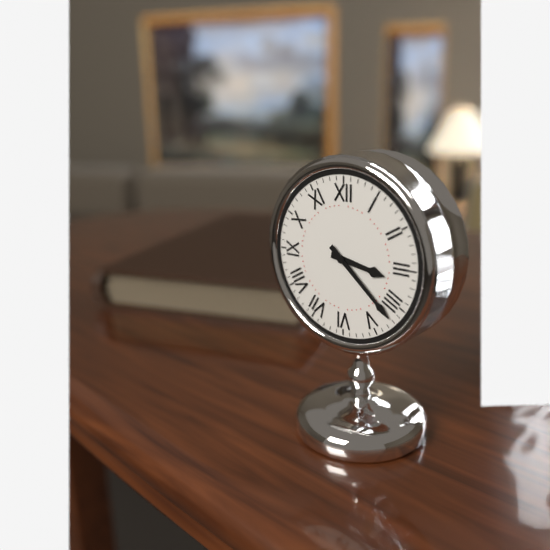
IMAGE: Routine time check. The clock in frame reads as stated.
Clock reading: 3:22
